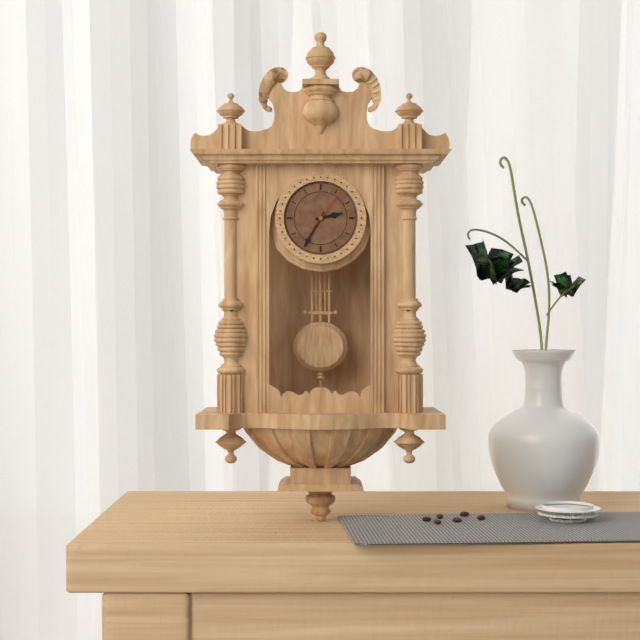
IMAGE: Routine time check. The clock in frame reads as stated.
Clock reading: 2:35
